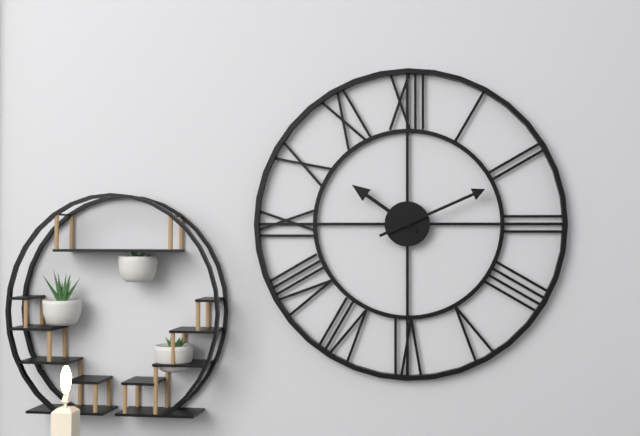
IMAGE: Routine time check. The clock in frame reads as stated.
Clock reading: 10:11
